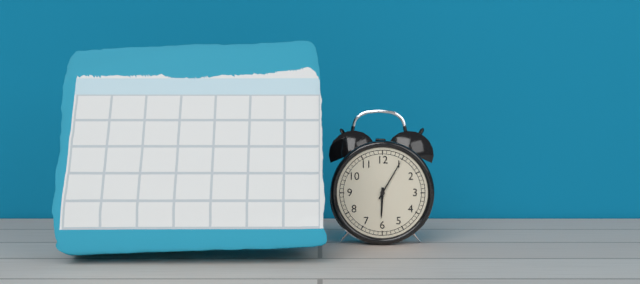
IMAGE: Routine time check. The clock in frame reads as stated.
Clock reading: 6:05
